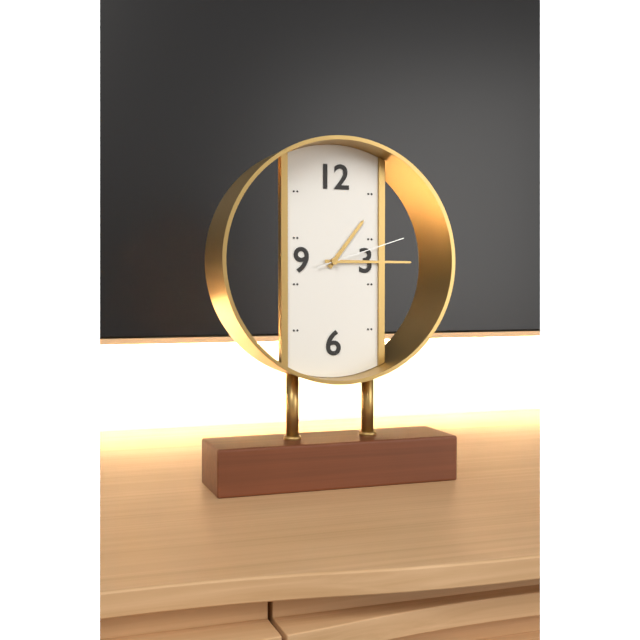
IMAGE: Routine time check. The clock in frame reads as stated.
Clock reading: 1:15:12
